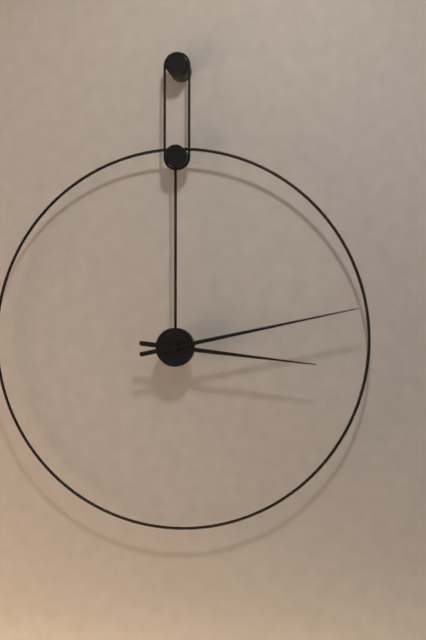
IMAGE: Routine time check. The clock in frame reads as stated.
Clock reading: 3:13
